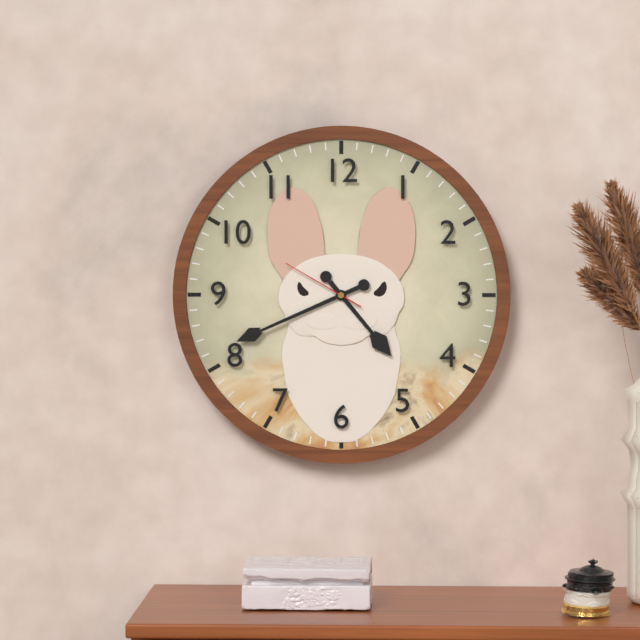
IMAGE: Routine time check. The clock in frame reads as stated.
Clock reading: 4:41:50
